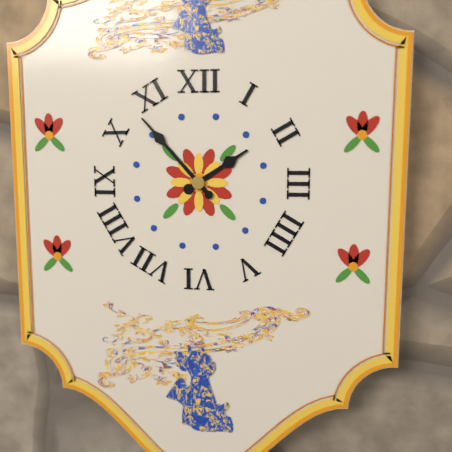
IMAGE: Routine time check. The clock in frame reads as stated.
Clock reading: 1:53
